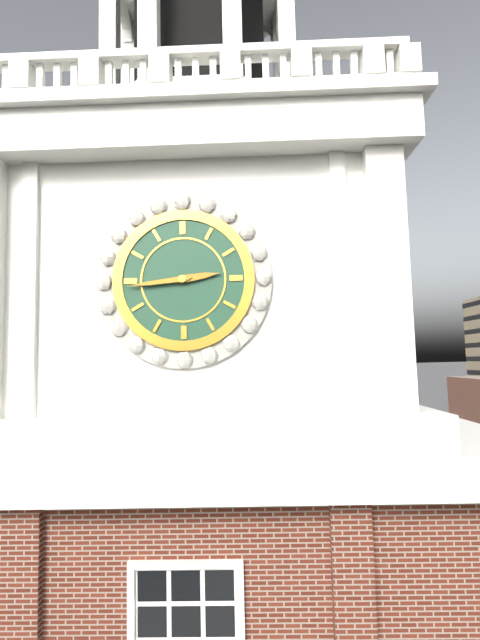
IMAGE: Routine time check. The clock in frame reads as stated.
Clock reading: 2:44
